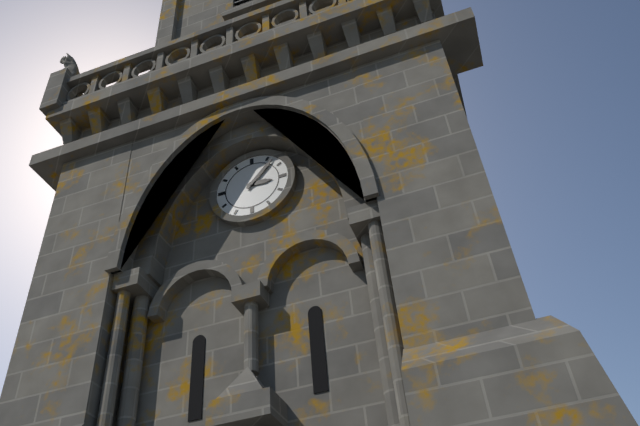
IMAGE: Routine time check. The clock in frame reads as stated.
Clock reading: 3:07
